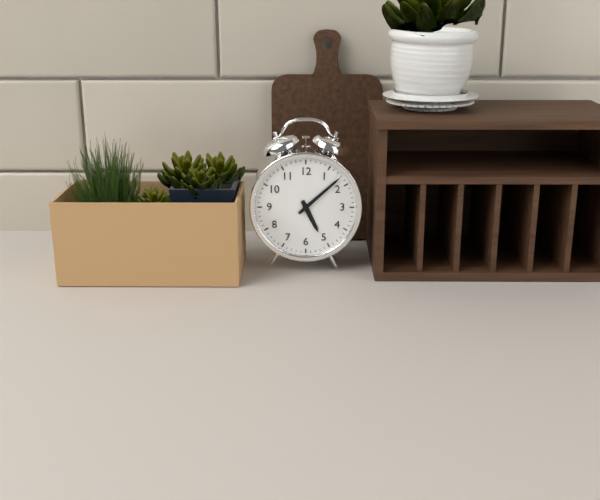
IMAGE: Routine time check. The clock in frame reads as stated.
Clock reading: 5:08
